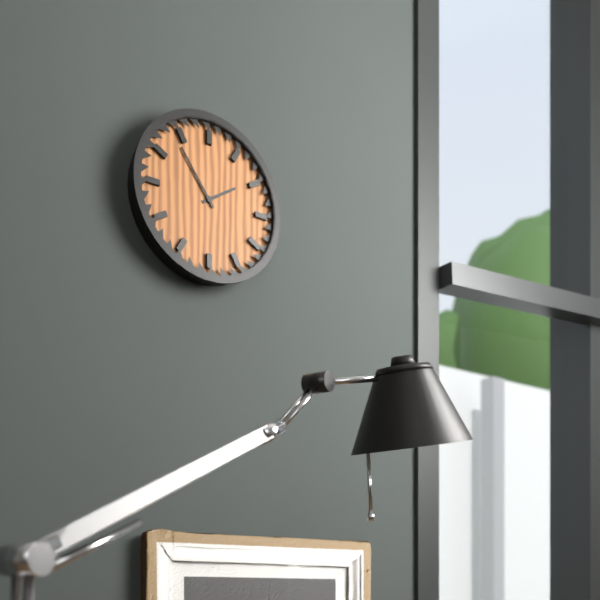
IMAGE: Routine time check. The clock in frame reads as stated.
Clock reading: 1:54
